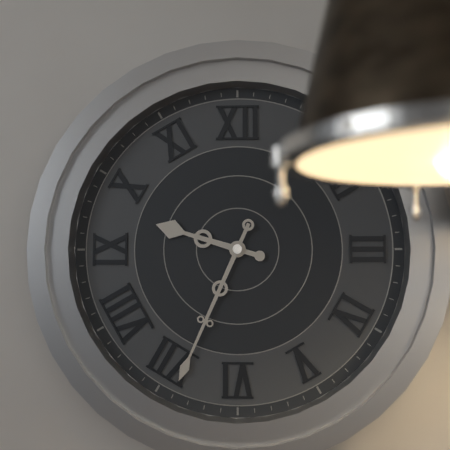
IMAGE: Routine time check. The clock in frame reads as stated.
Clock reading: 9:34
